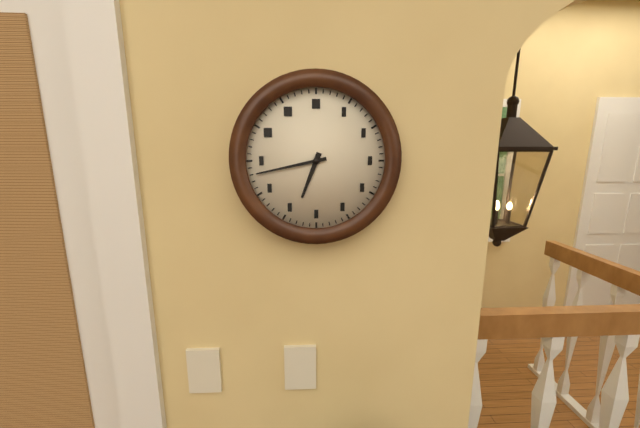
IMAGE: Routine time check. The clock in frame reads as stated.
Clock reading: 6:43
